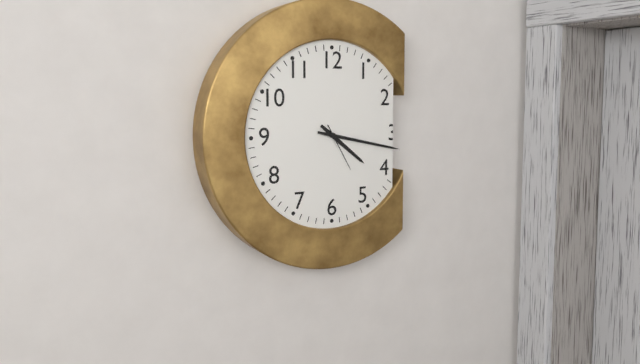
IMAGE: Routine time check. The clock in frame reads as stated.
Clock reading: 4:17
